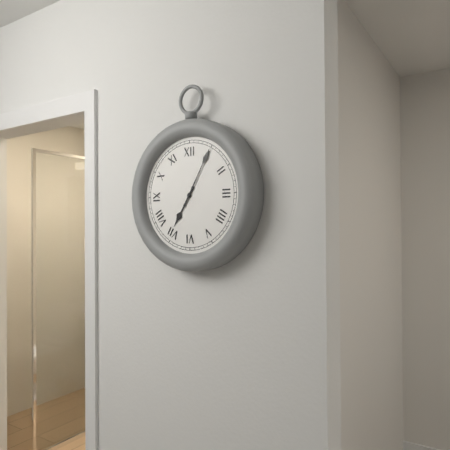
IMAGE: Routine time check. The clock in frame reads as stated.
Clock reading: 7:05
